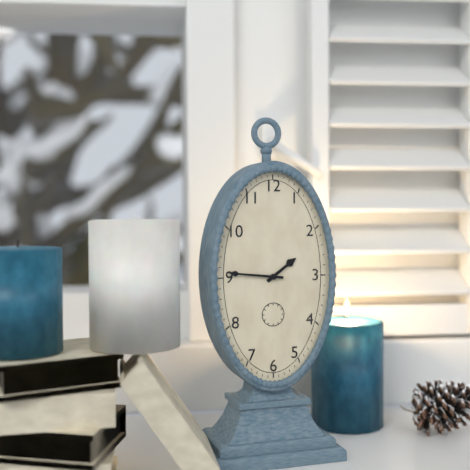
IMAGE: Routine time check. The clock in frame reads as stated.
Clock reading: 1:46
